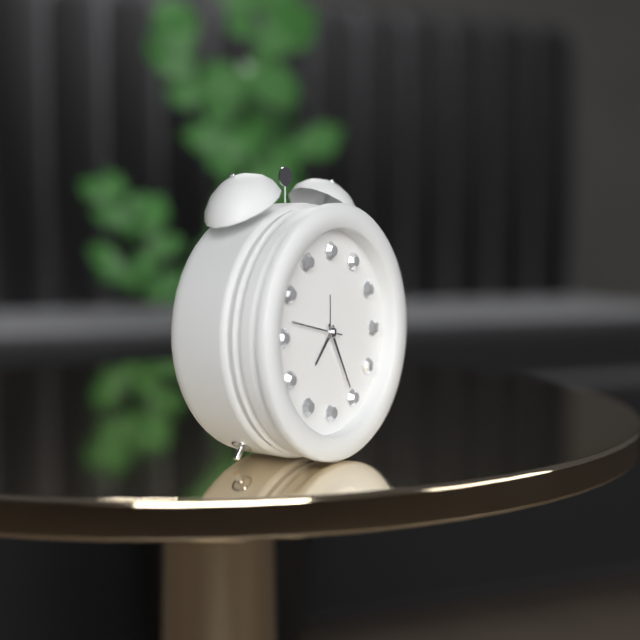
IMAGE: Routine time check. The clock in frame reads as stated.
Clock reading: 7:25
